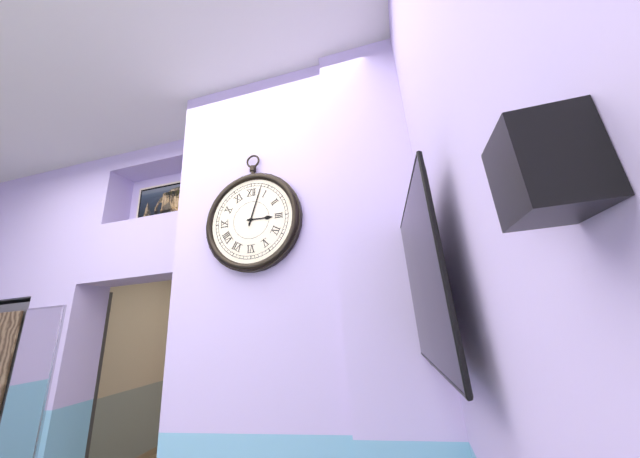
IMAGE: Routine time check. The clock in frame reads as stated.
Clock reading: 3:03
